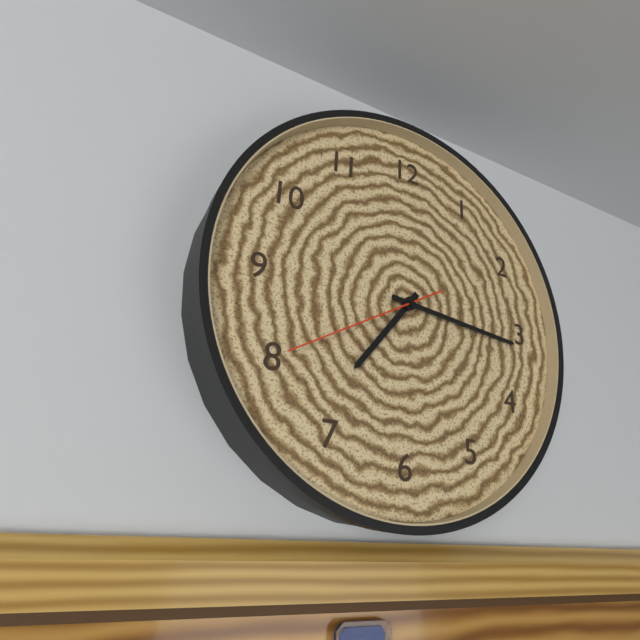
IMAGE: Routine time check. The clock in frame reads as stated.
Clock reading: 7:16:40
